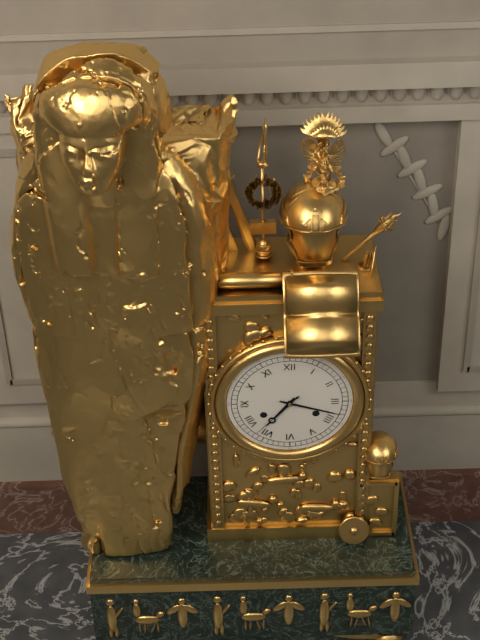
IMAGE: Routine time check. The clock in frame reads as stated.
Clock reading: 7:18:37
